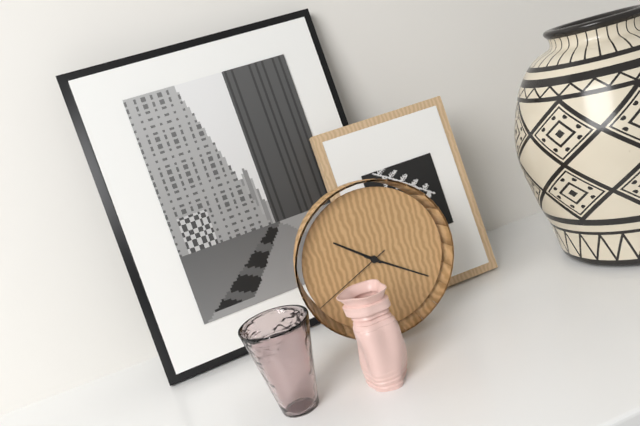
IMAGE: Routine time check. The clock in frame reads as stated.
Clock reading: 10:21:41
